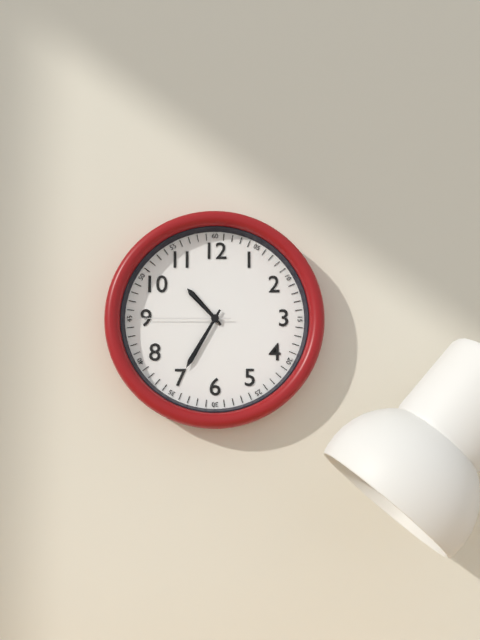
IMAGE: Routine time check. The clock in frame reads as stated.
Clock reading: 10:35:45
